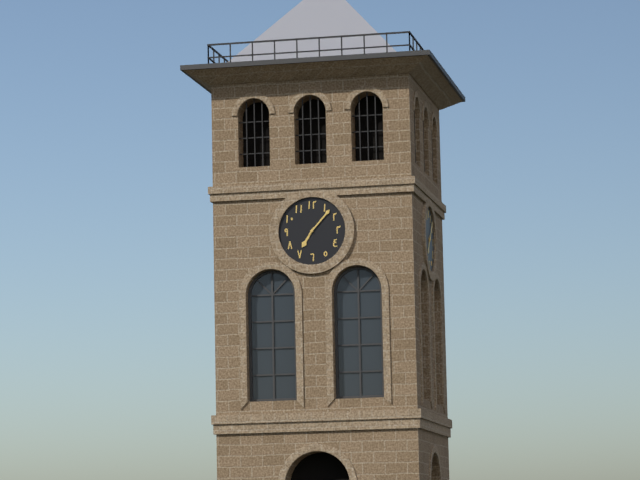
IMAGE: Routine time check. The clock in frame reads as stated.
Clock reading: 7:07
